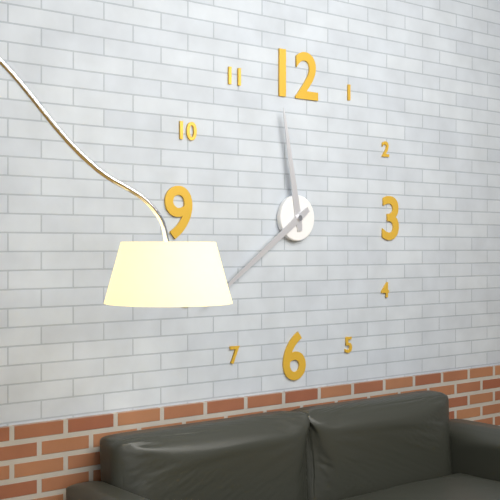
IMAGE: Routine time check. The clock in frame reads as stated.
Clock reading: 11:39
